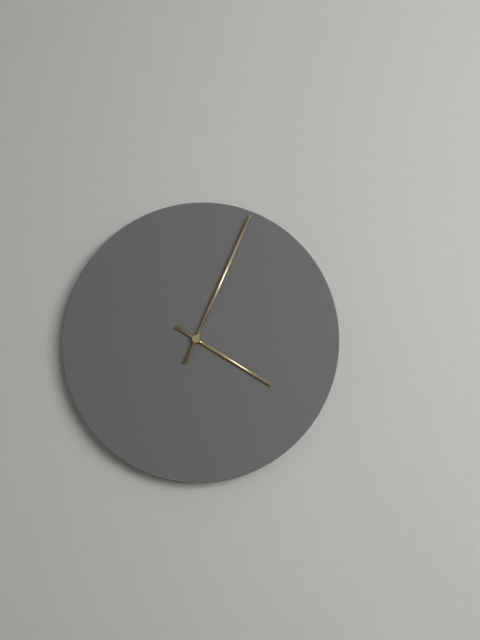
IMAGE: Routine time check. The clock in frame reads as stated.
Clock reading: 4:04
